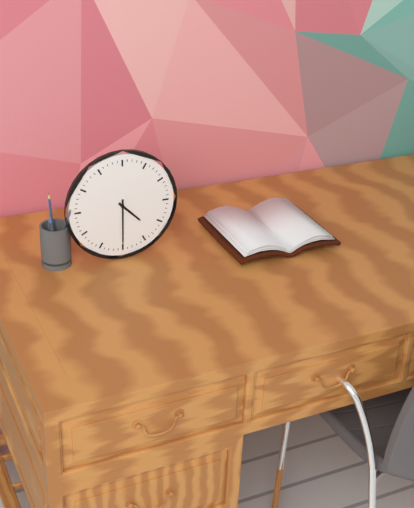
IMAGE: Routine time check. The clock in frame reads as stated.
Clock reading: 4:30
